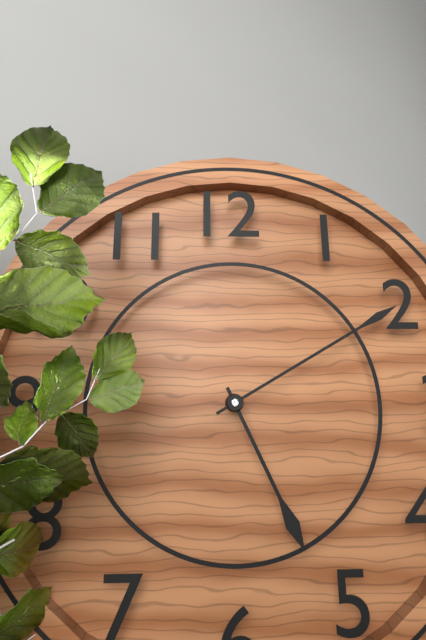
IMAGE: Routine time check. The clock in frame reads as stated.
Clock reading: 5:10
